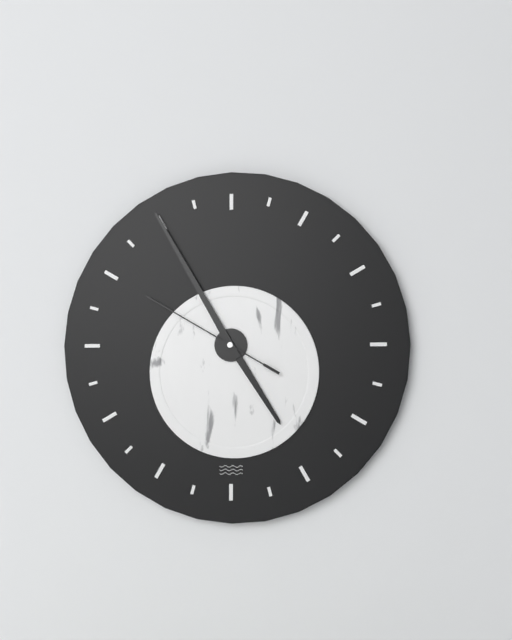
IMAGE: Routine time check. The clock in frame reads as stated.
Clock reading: 4:55:50
